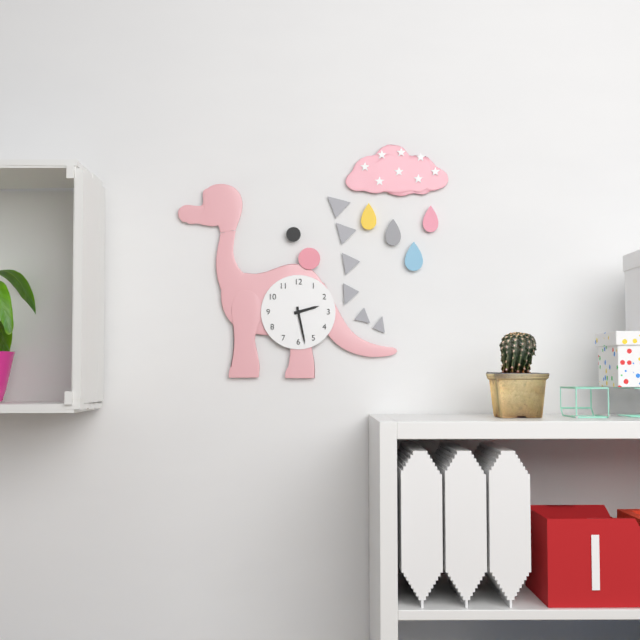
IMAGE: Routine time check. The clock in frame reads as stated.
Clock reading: 2:28
